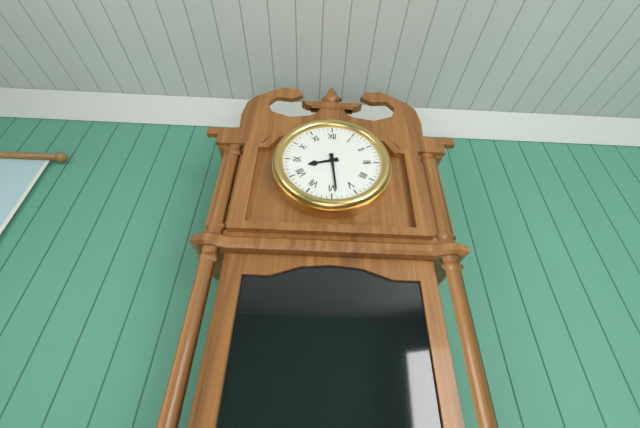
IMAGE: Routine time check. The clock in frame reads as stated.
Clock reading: 8:29
